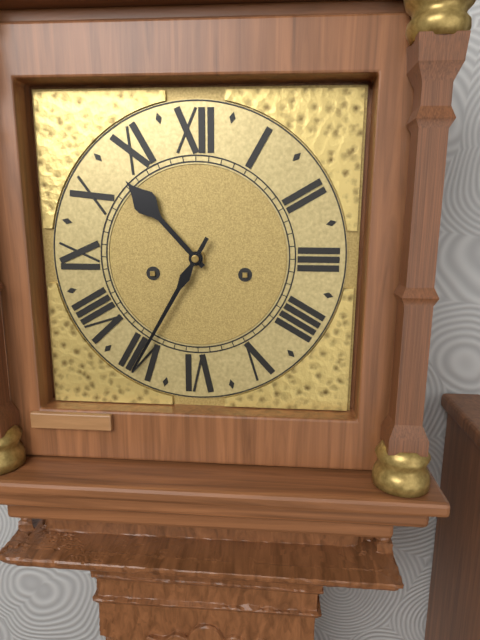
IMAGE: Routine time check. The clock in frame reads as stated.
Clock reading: 10:35
